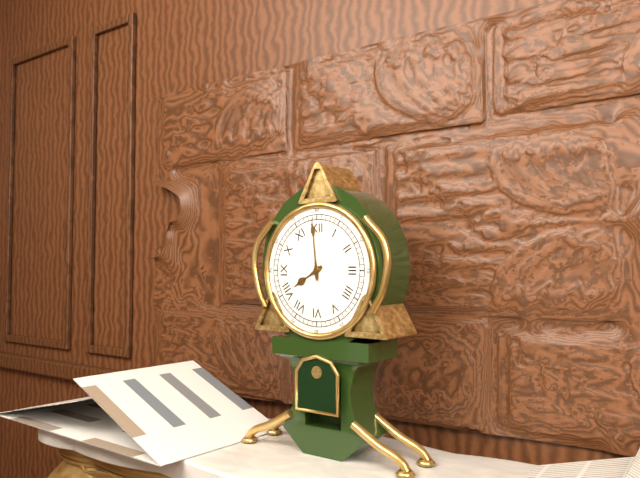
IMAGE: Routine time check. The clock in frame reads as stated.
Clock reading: 7:59
